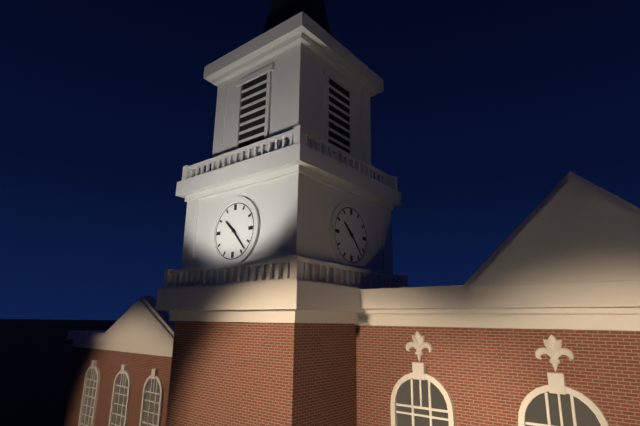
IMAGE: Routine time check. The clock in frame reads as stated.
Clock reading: 10:23
